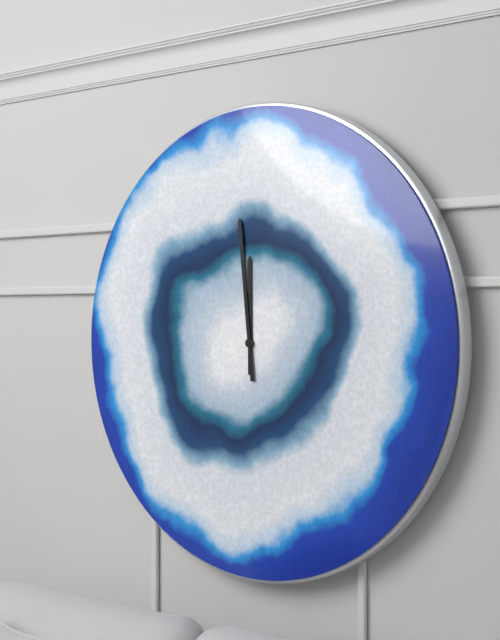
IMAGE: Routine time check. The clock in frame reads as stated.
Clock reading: 11:59
